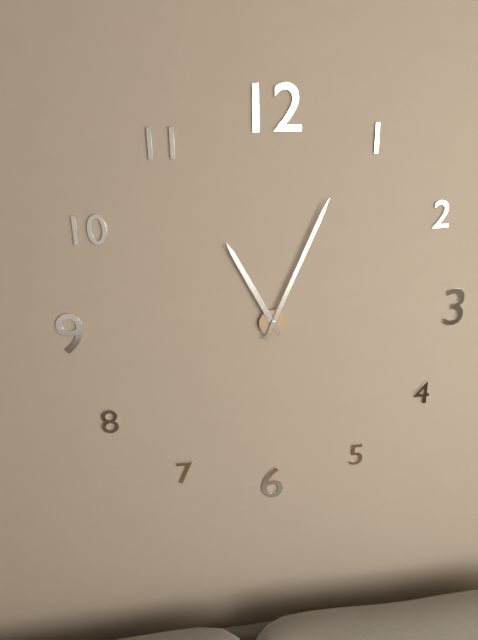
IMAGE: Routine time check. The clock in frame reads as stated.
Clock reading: 11:04
